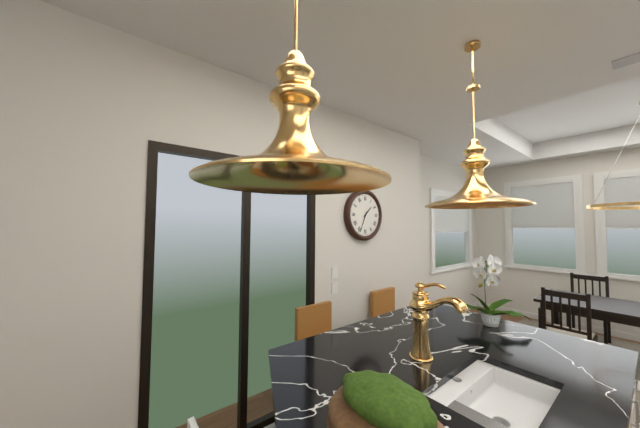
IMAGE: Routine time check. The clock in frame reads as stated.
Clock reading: 1:34
